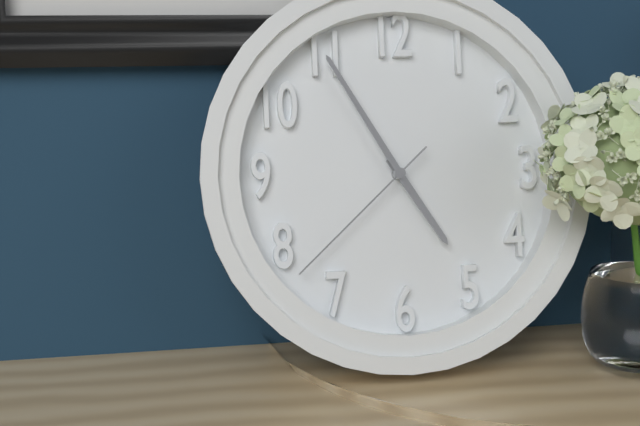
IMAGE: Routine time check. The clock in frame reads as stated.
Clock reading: 4:55:38
